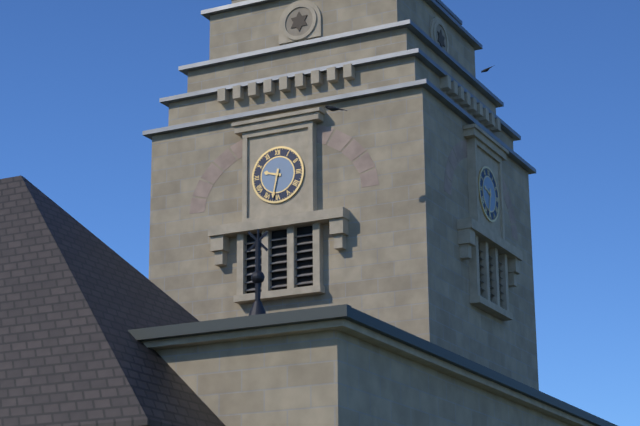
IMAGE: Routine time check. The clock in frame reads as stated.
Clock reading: 9:32
